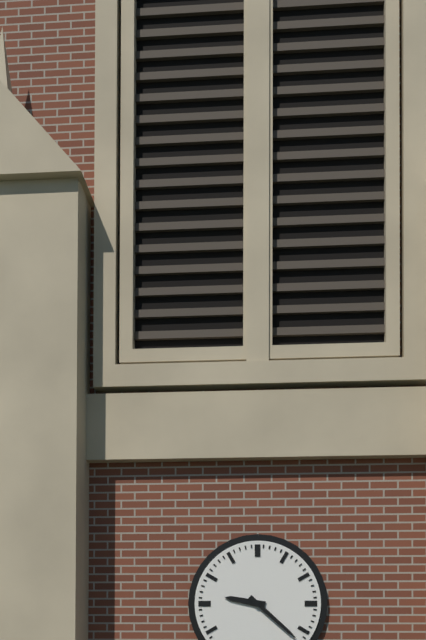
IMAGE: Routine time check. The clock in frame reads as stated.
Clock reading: 9:22
